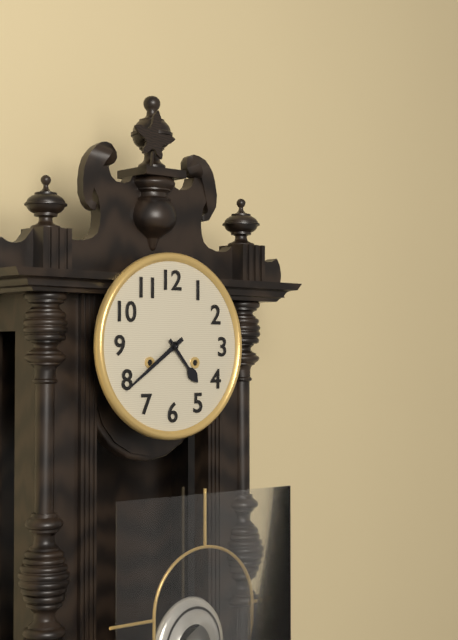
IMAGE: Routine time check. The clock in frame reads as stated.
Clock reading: 4:39
